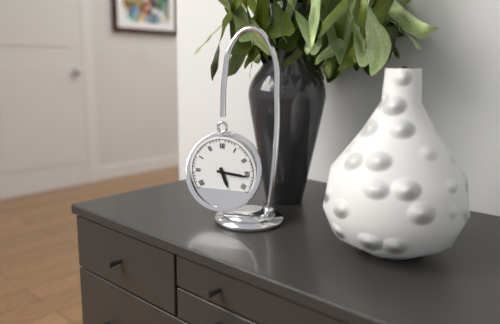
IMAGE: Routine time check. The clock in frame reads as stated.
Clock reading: 5:16
